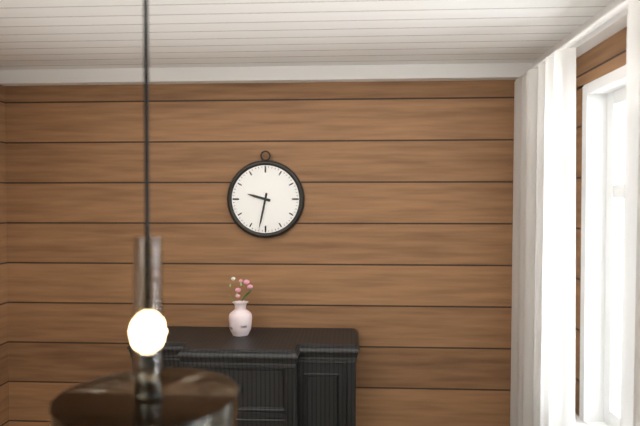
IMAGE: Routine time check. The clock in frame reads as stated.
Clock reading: 9:32
